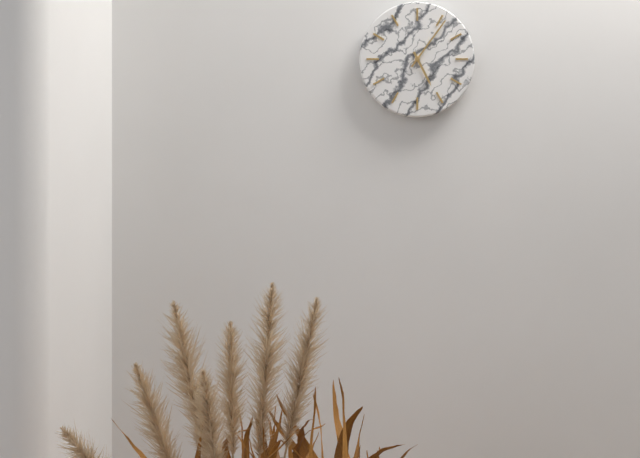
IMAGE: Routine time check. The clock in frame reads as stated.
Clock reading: 5:06
